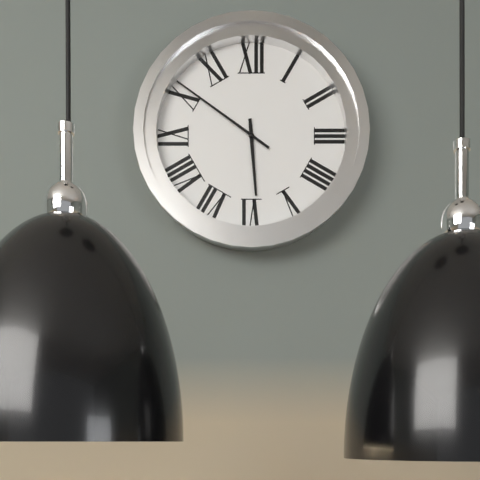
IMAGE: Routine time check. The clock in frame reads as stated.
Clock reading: 5:51
